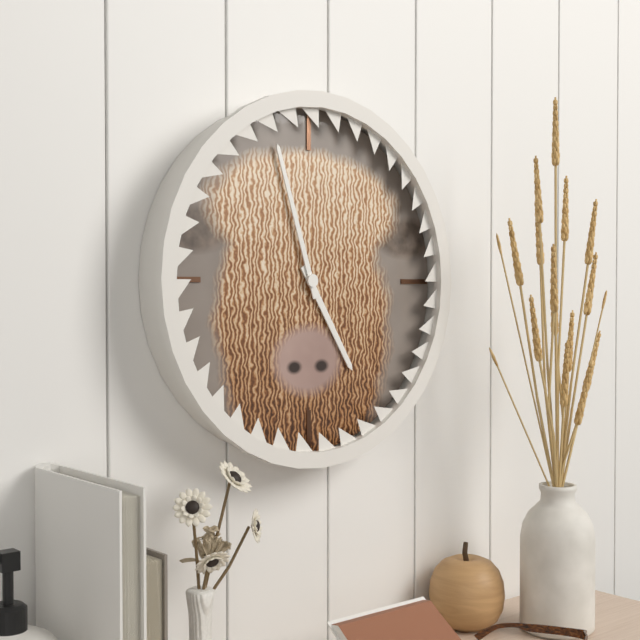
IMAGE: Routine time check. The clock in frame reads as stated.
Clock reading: 4:57
